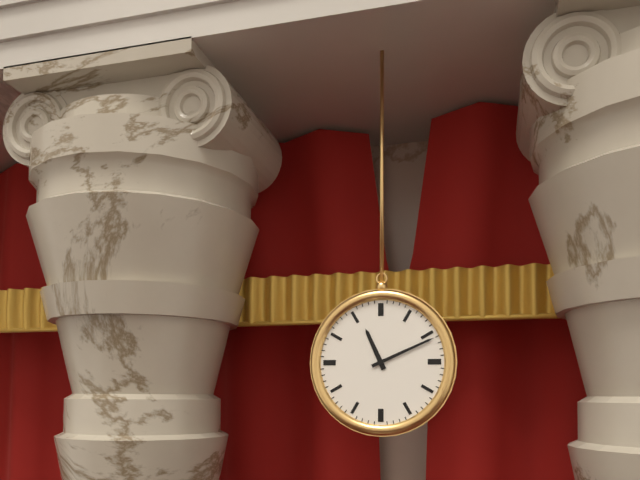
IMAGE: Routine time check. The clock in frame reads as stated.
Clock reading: 11:11
